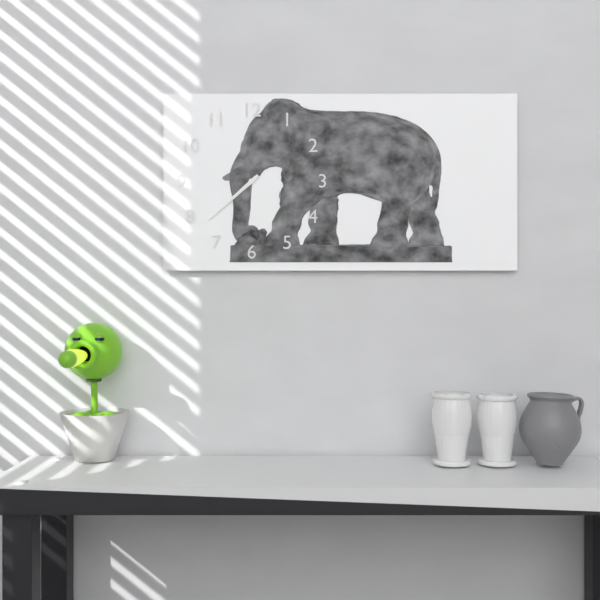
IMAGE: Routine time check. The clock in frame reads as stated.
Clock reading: 7:38
